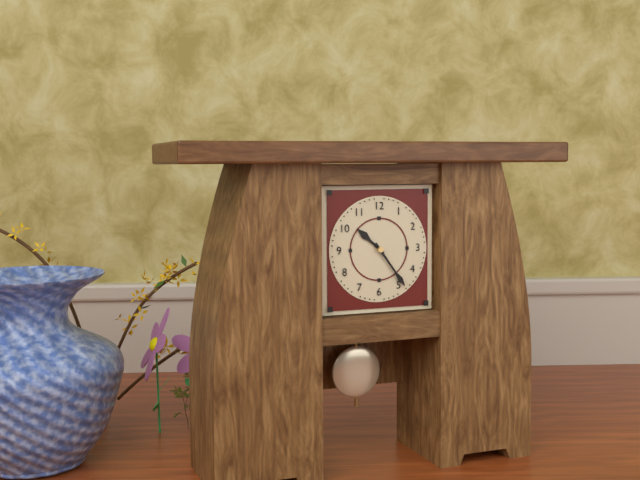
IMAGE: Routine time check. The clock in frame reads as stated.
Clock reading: 10:24
